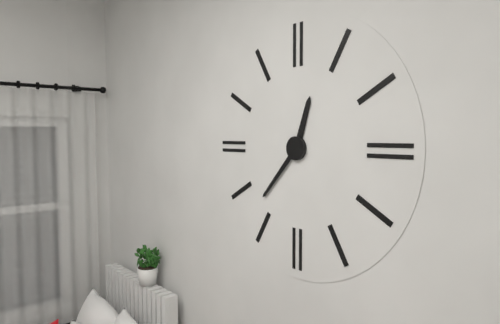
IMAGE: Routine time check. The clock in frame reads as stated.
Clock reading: 12:37
